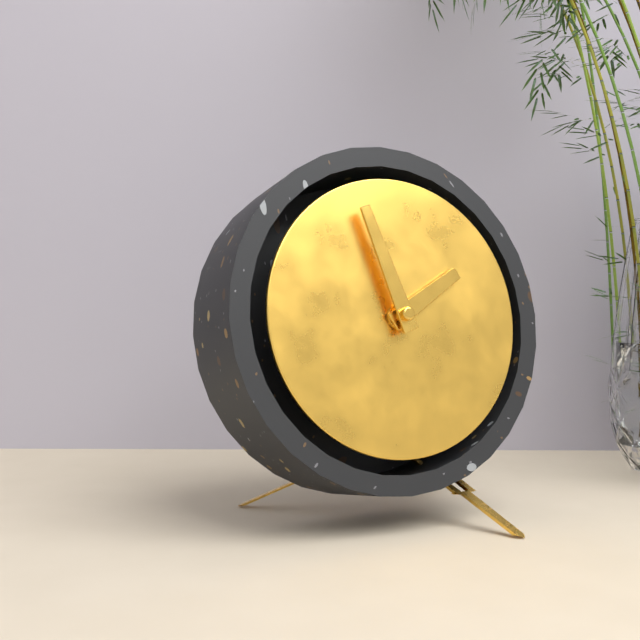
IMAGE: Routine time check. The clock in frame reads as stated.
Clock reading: 1:57
